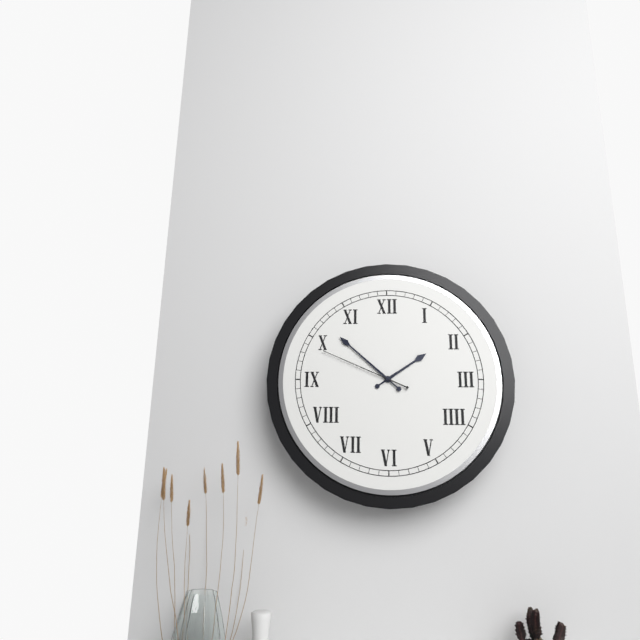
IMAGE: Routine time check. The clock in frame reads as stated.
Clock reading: 1:52:49
